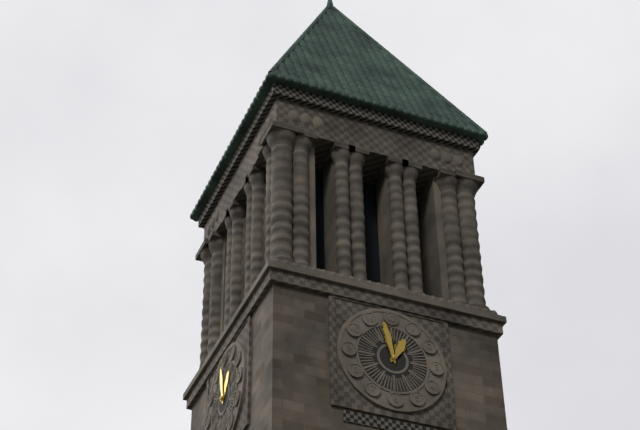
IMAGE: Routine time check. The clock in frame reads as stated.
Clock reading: 12:58
